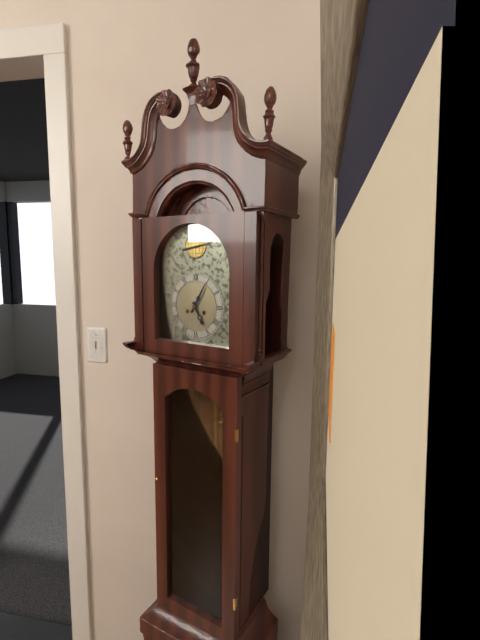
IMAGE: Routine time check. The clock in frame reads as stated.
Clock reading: 5:05
